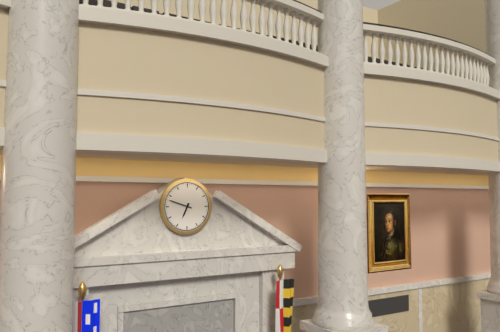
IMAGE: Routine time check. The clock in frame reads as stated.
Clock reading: 6:48
